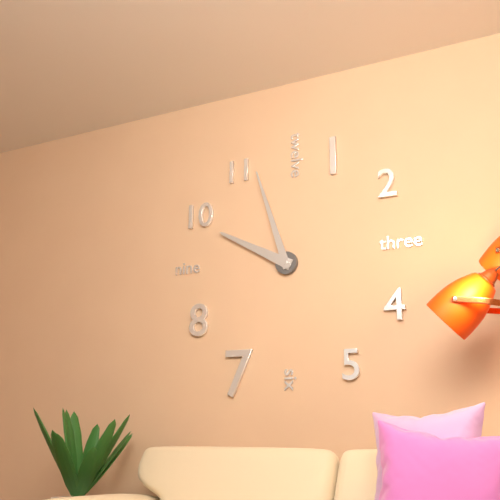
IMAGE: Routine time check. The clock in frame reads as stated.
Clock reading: 9:57
